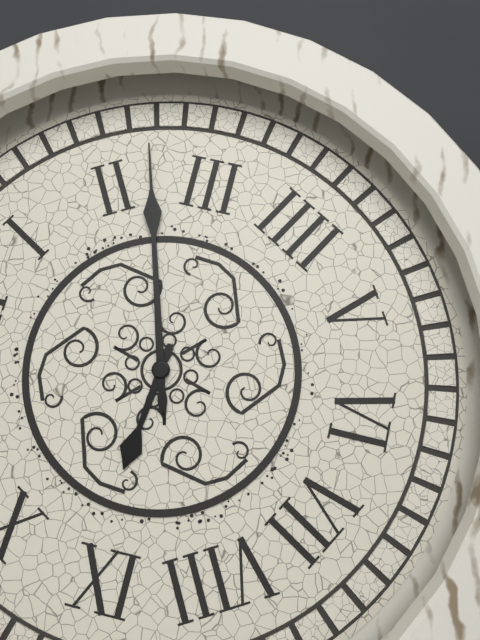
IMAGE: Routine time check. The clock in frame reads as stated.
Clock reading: 9:12
